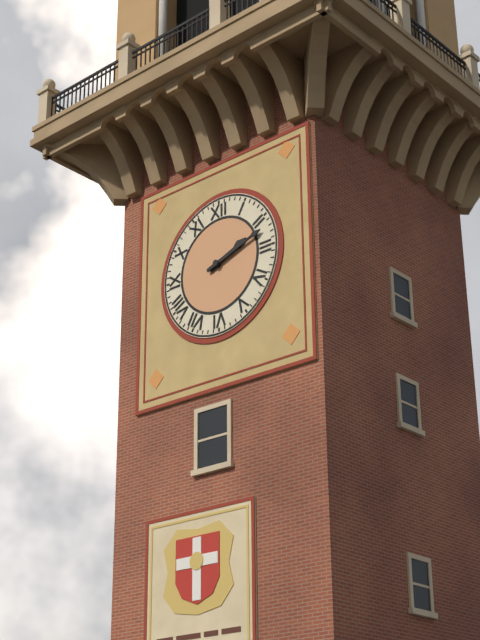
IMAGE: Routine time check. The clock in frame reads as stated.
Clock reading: 2:12
